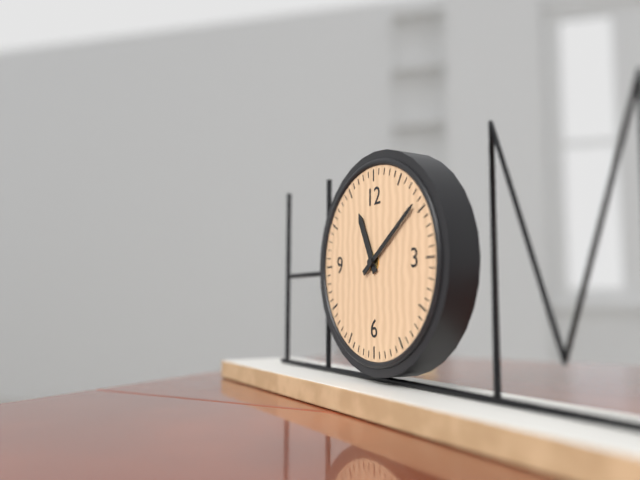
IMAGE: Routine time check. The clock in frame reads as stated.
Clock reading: 11:09
